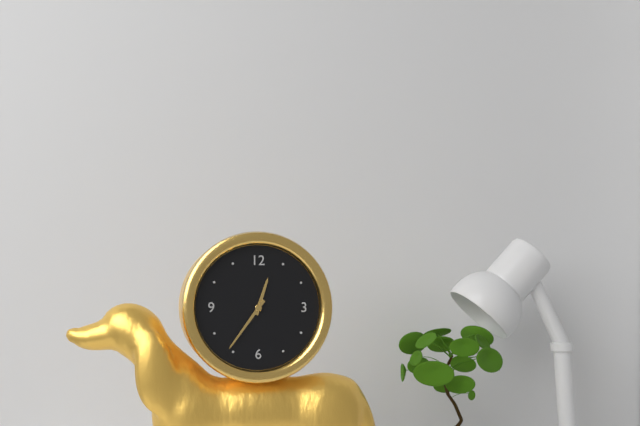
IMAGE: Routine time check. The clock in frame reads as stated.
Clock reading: 12:36
